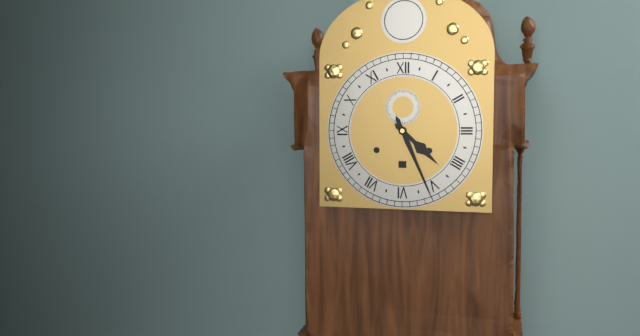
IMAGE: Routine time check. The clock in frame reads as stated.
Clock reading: 4:26
